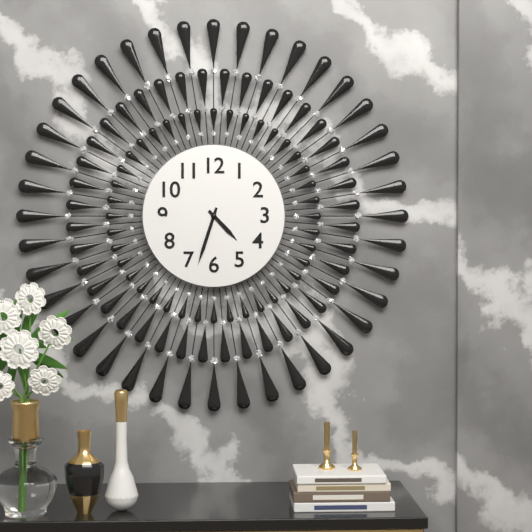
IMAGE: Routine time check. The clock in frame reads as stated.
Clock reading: 4:33
